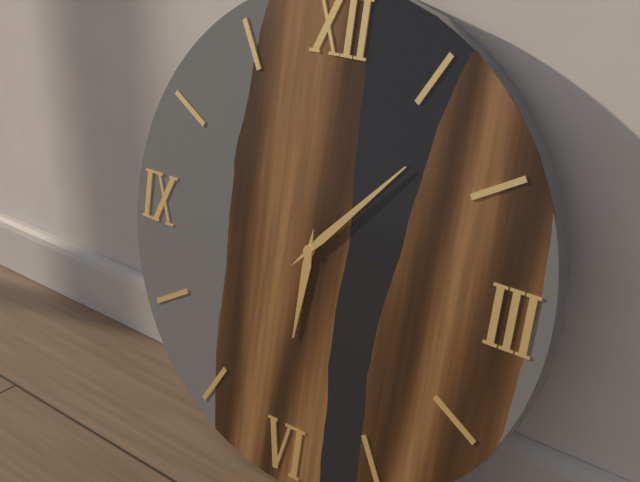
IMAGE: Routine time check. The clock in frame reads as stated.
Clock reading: 6:07
